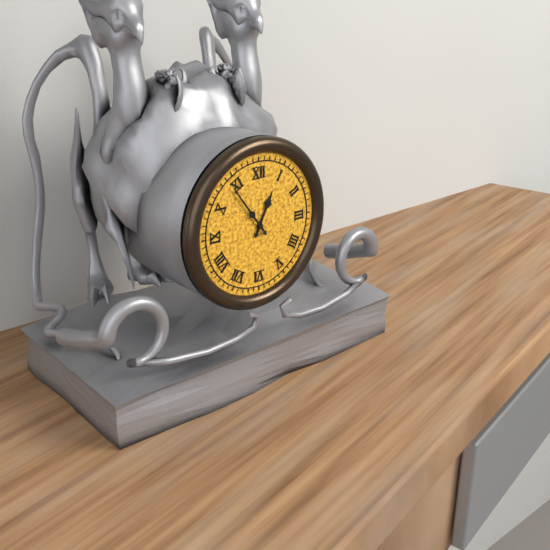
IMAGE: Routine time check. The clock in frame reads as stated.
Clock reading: 12:54
